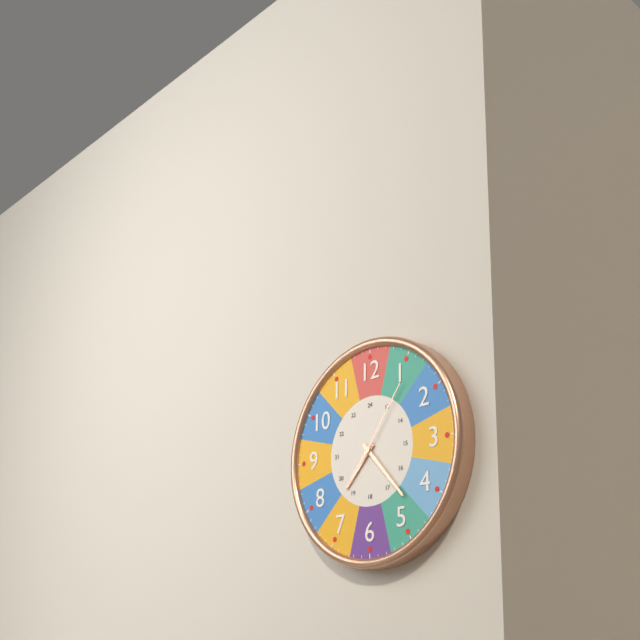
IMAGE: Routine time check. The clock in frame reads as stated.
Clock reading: 7:23:06
